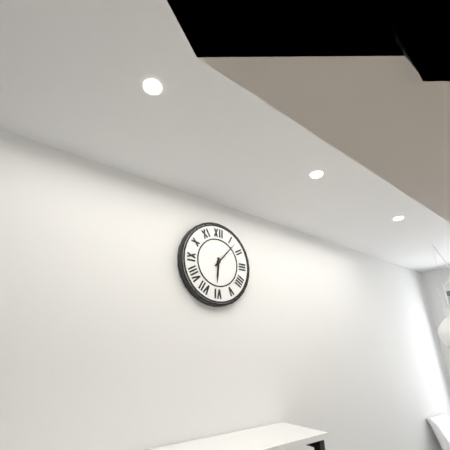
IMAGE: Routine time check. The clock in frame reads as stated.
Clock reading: 6:07
